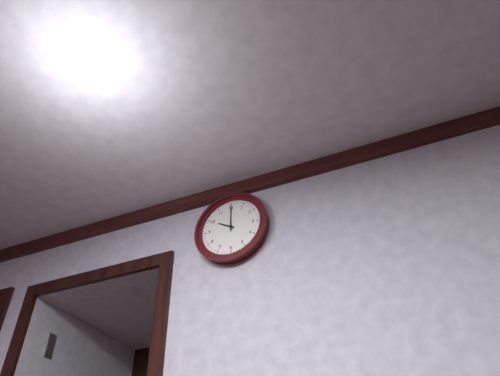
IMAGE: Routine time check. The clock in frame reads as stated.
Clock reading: 10:00
